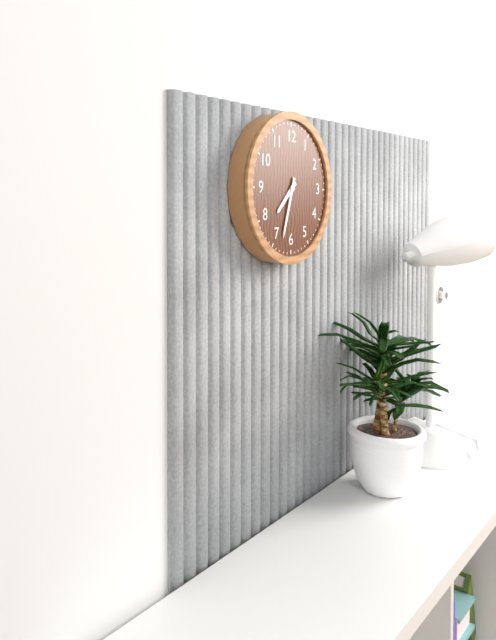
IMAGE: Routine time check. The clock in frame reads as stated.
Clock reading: 7:33
